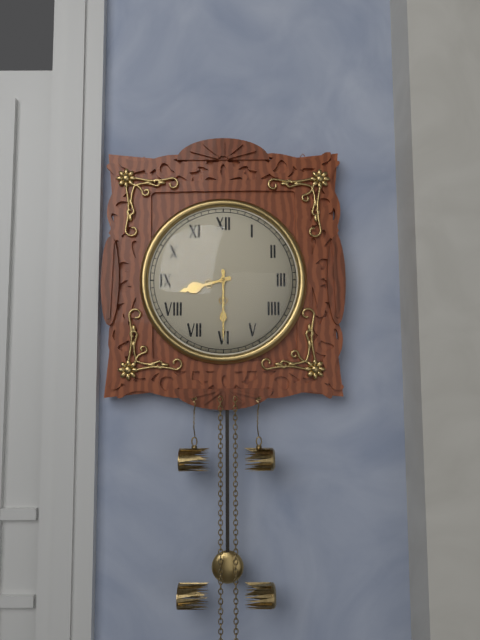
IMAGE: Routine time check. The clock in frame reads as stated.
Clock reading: 8:30
